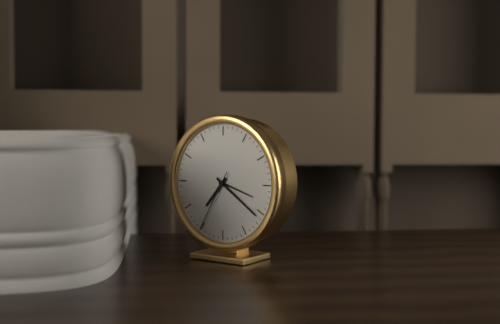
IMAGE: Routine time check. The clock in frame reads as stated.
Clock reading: 7:21:35
